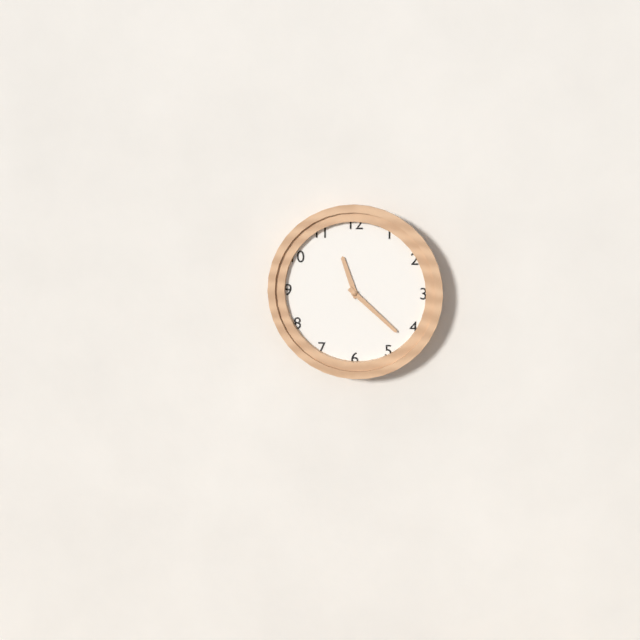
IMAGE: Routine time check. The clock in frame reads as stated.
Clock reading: 11:22
